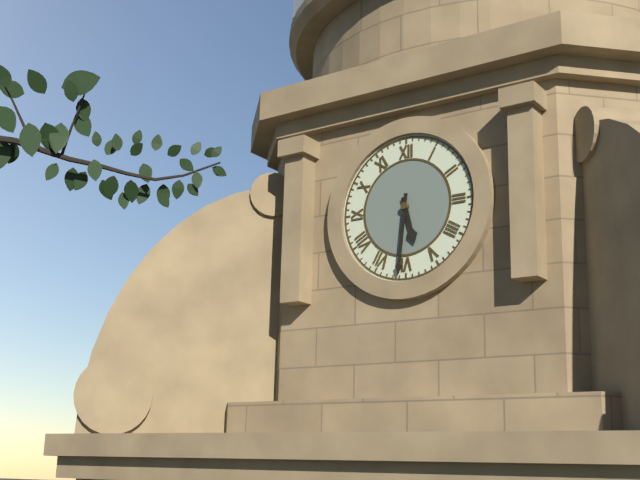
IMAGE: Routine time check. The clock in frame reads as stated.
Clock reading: 5:31
